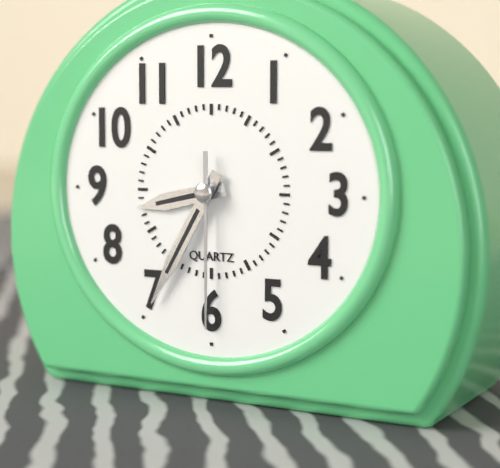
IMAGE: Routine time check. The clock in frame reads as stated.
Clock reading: 8:35:30
